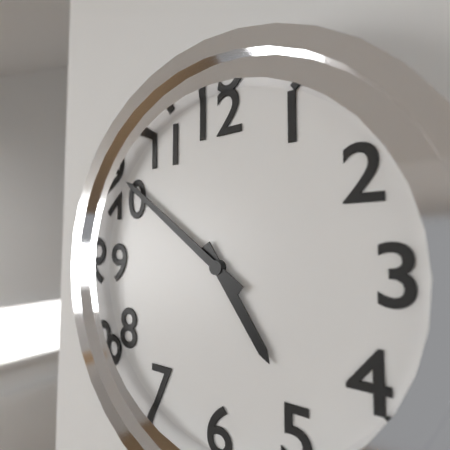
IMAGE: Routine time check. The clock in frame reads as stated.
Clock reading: 4:51
